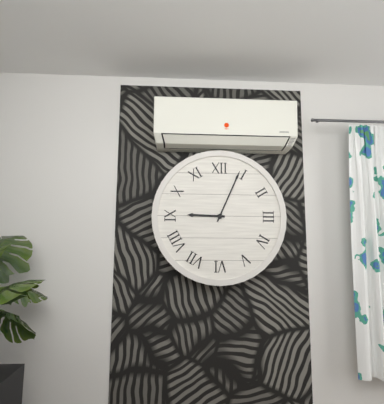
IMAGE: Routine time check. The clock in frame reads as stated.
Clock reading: 9:04
